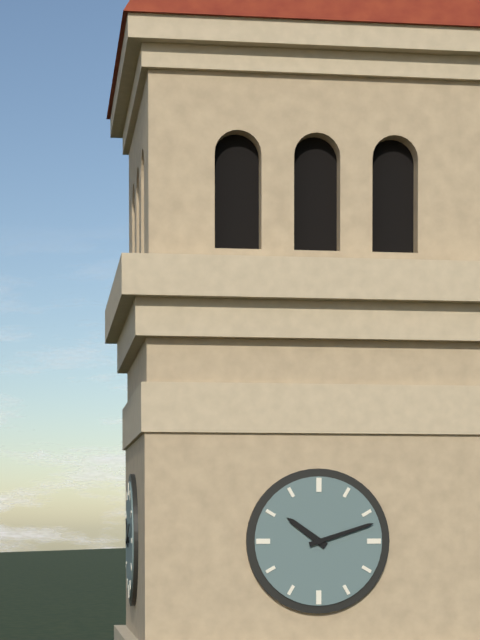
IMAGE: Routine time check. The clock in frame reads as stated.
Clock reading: 10:12
